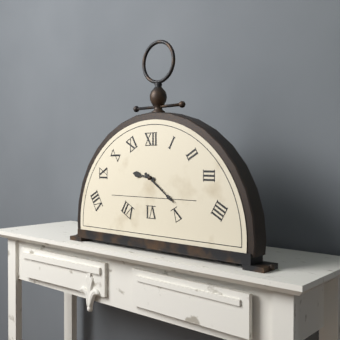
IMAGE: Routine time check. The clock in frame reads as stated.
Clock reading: 9:21
